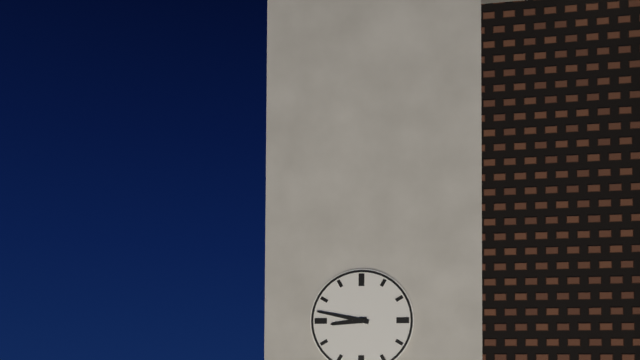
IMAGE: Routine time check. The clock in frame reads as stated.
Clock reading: 8:47
